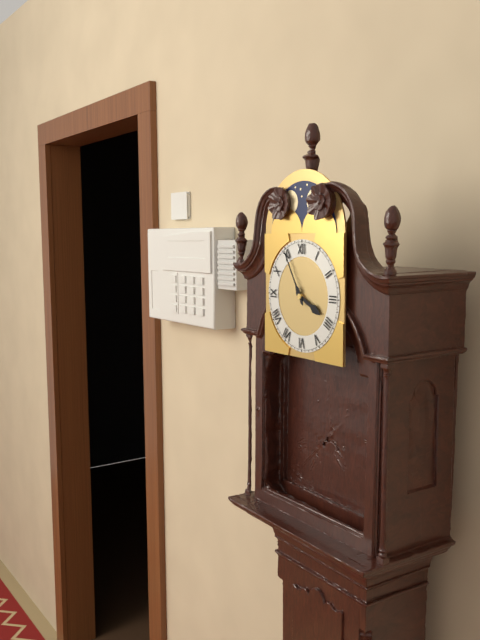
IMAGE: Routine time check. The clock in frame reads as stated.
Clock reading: 3:55
